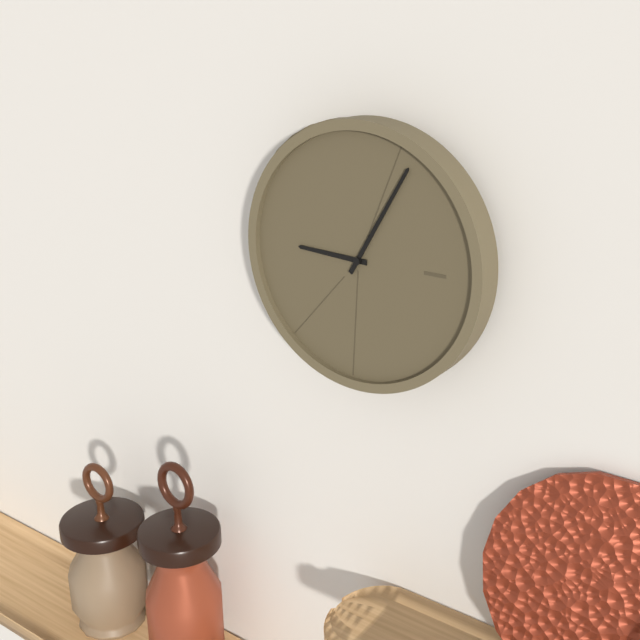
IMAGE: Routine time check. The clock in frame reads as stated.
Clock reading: 9:05
